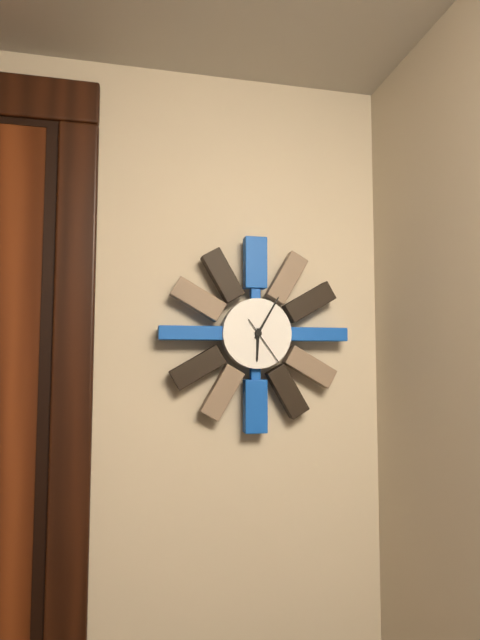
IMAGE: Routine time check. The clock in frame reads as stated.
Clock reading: 6:05
